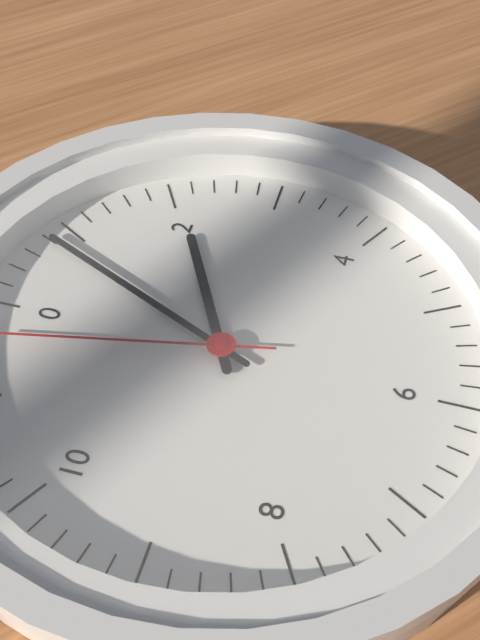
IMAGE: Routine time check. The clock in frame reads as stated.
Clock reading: 2:04
